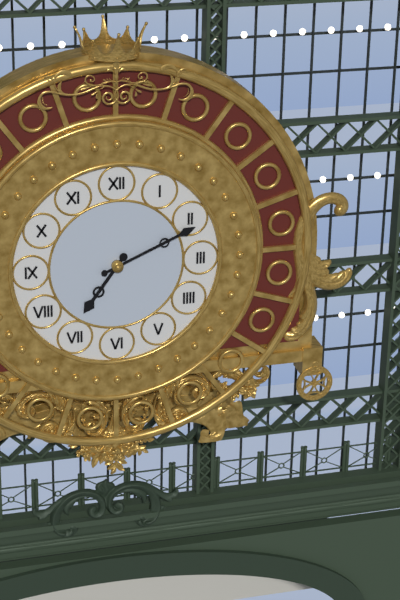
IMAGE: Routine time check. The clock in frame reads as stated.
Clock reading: 7:11
